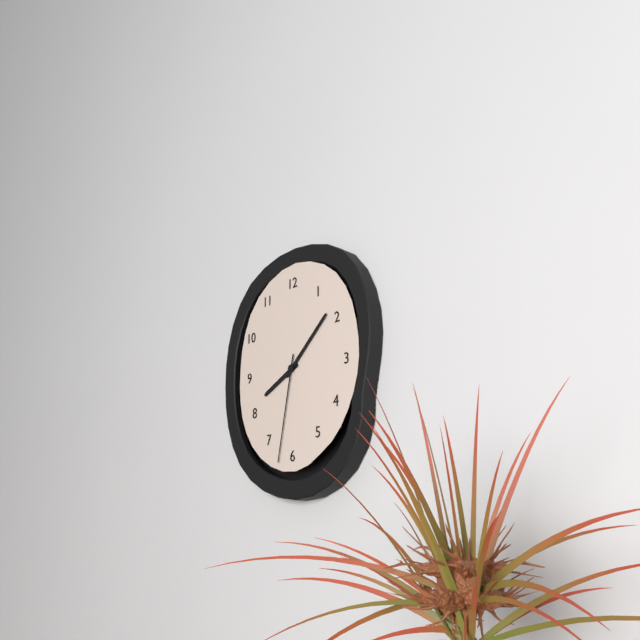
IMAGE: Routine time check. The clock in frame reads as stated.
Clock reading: 8:08:32
